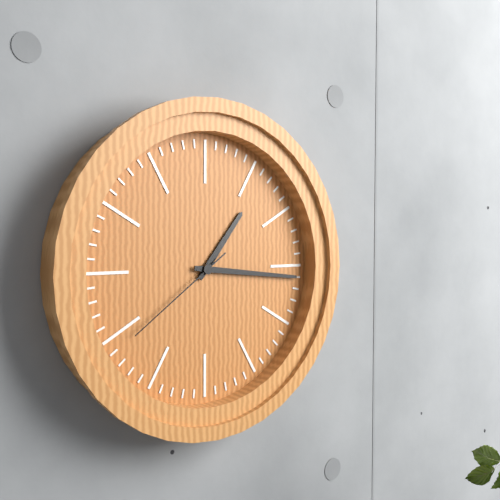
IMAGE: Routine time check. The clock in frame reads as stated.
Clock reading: 1:16:39
